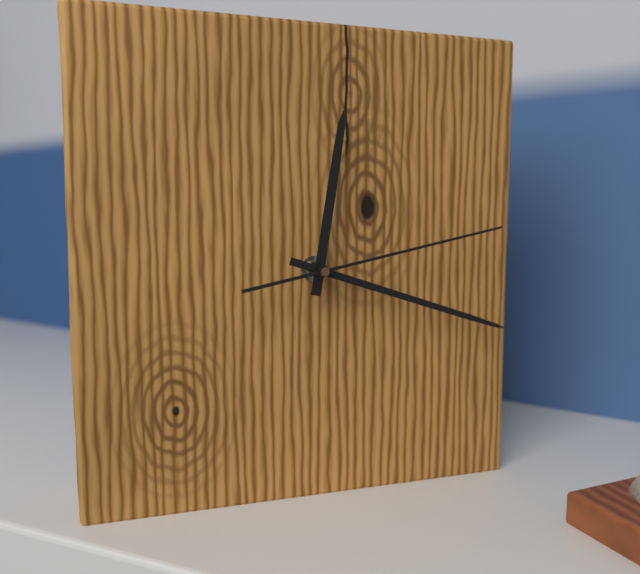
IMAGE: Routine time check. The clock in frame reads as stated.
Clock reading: 12:18:13
